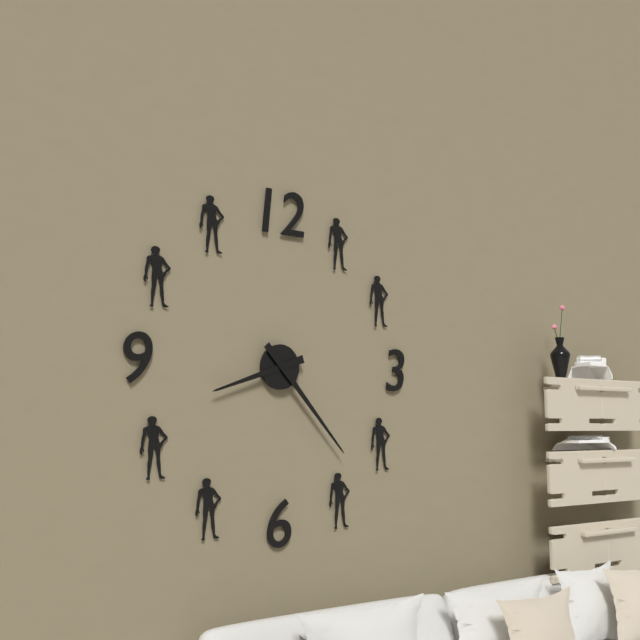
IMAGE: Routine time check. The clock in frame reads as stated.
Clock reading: 8:23
